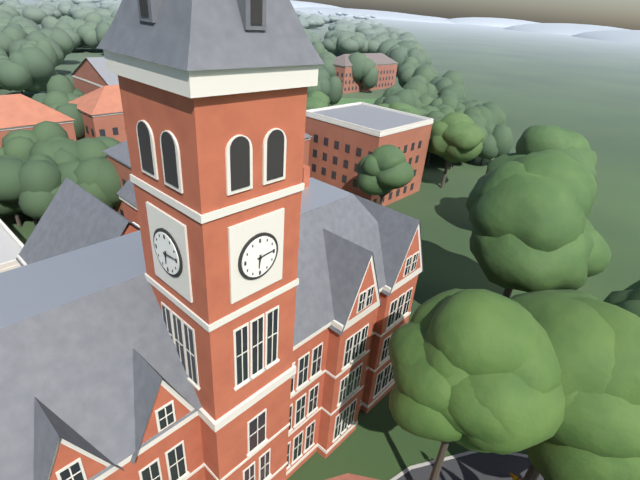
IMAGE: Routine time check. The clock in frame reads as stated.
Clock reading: 6:14
